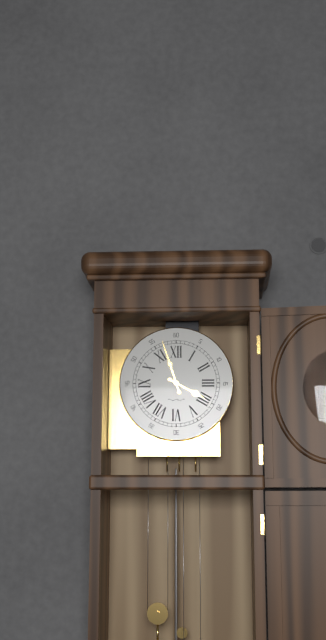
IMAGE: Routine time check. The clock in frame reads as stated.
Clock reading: 3:57
